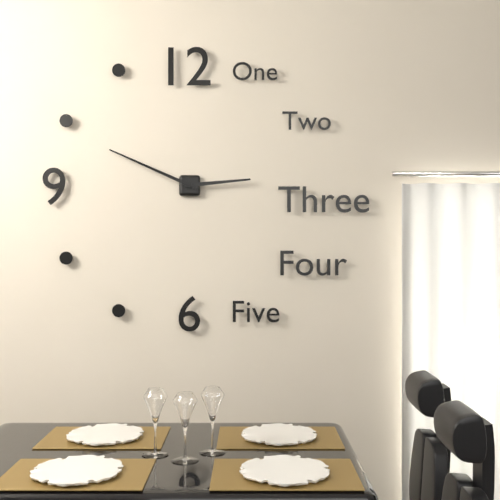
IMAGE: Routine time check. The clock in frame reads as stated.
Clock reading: 2:49
